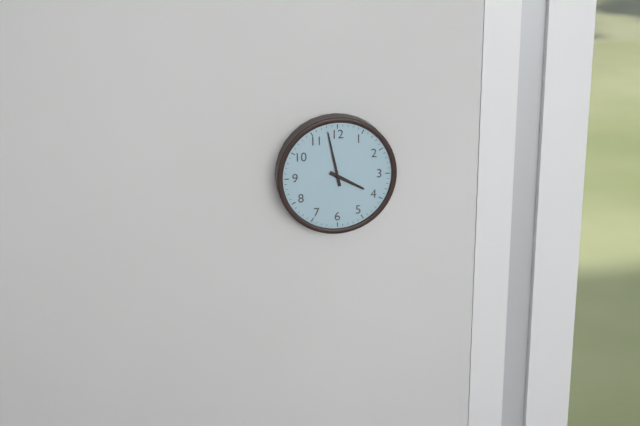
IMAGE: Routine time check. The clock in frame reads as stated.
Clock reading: 3:58
